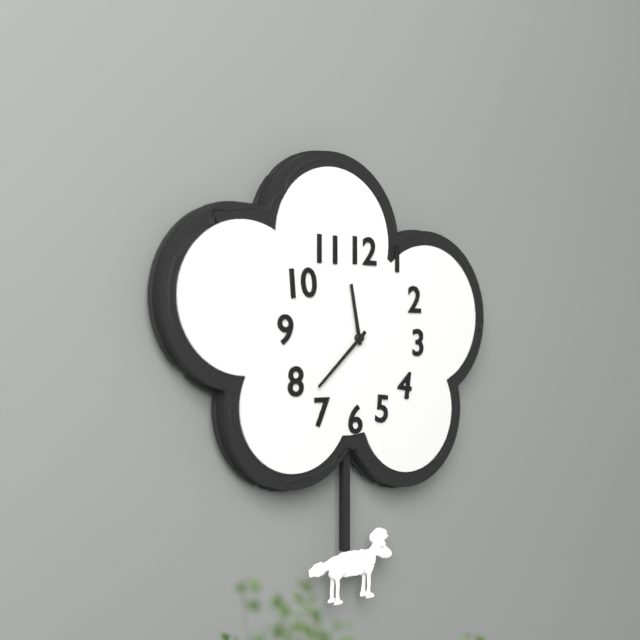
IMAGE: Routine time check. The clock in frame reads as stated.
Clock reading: 11:38
